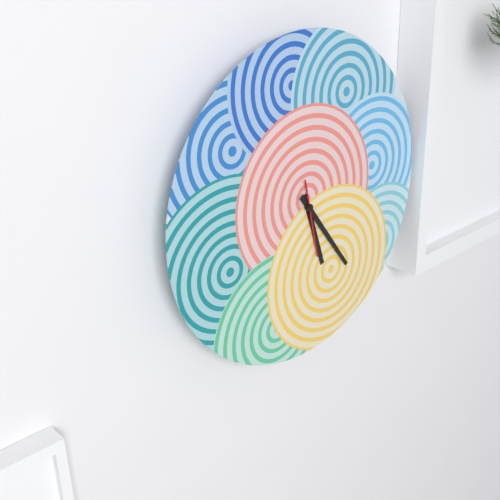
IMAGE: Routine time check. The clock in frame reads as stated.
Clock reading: 5:24:28
